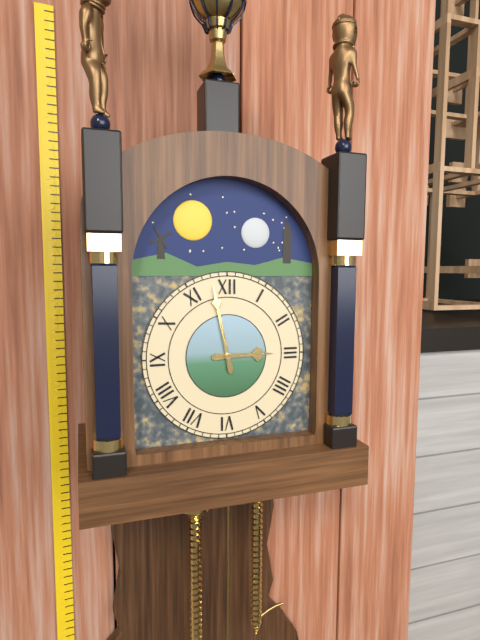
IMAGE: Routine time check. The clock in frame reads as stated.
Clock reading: 2:58
